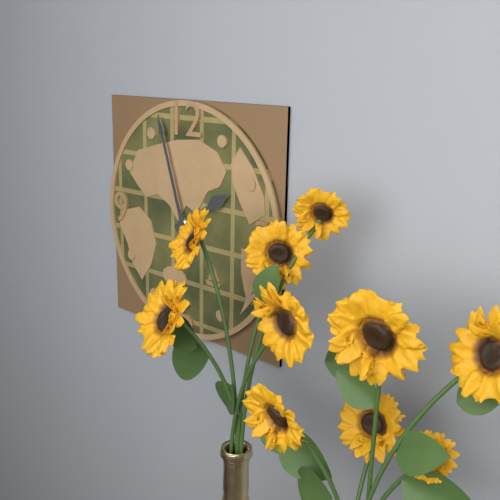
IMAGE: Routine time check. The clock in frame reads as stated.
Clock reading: 1:57
